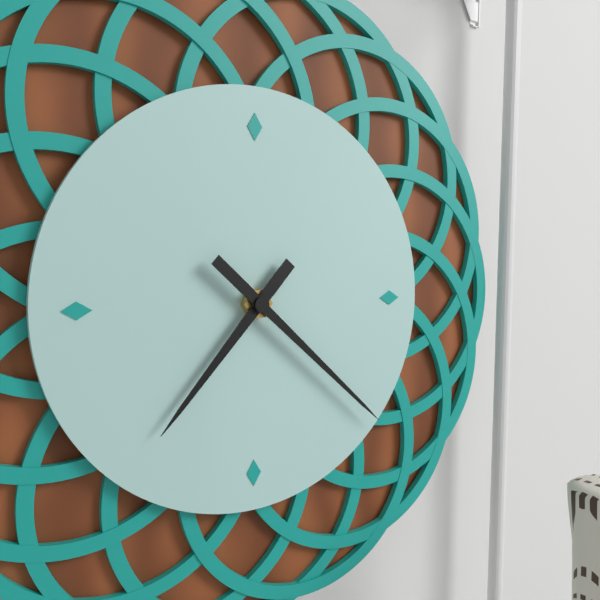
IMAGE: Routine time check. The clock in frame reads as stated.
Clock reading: 7:22
